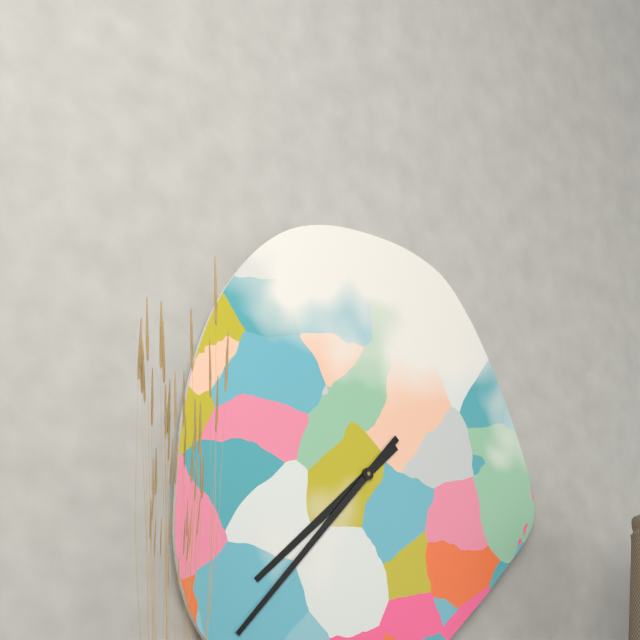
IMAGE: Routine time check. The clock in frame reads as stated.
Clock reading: 7:37
